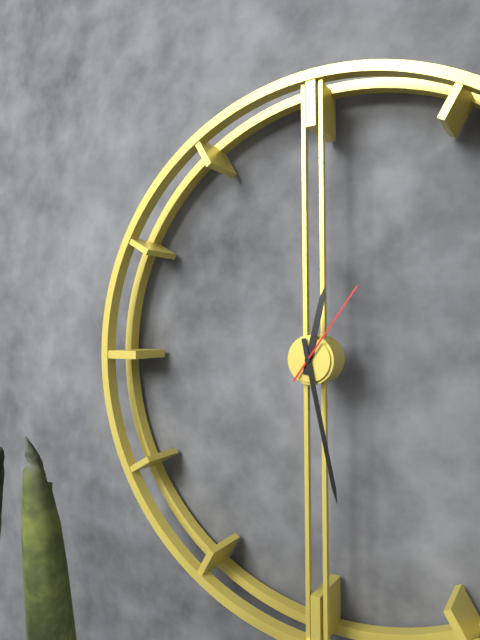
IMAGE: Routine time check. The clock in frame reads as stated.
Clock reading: 12:28:06
